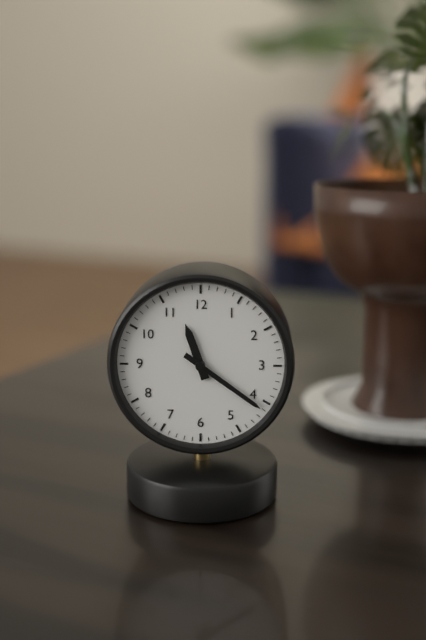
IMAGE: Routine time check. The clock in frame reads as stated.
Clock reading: 11:21
